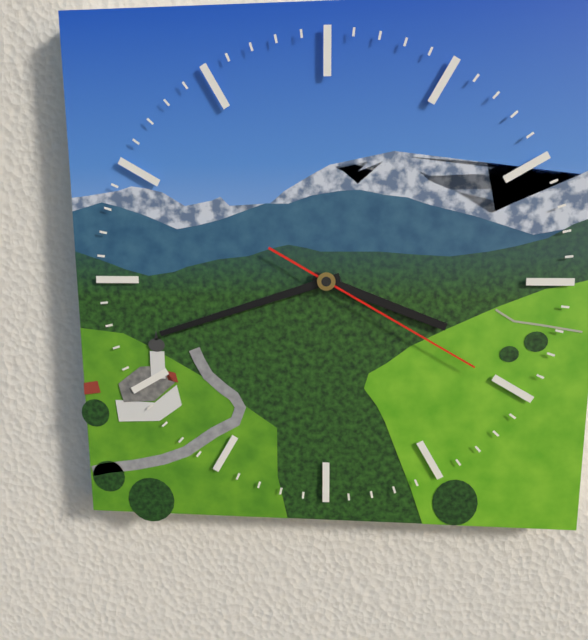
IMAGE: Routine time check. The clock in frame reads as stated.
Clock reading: 3:42:20
